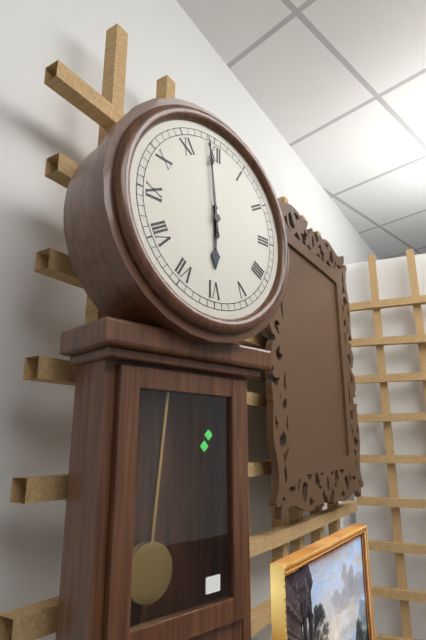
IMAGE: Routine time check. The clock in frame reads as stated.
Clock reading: 5:59
